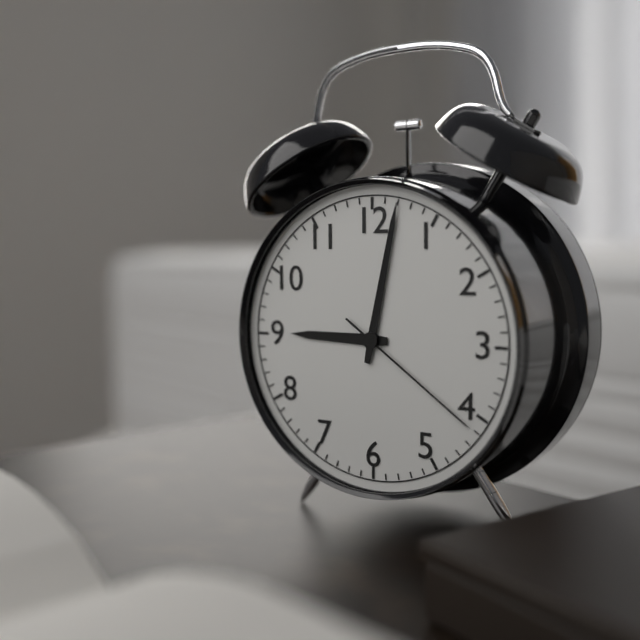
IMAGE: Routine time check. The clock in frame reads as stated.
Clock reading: 9:02:21
